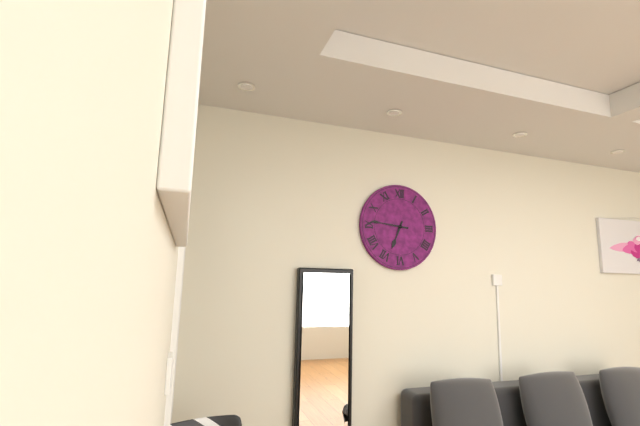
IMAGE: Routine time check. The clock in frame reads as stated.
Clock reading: 6:46
